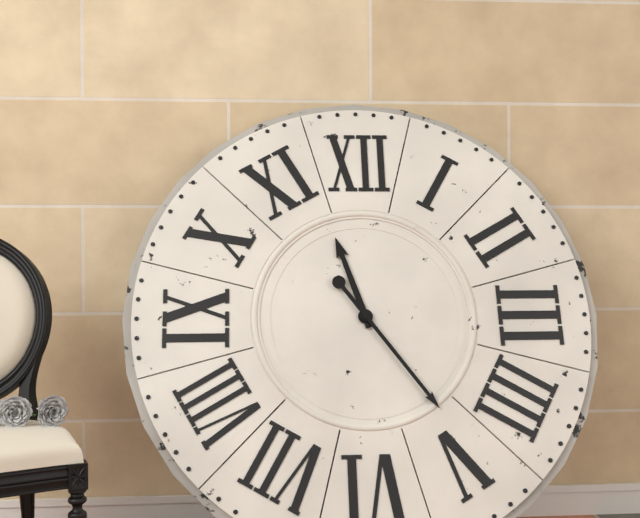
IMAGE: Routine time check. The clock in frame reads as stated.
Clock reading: 11:24
